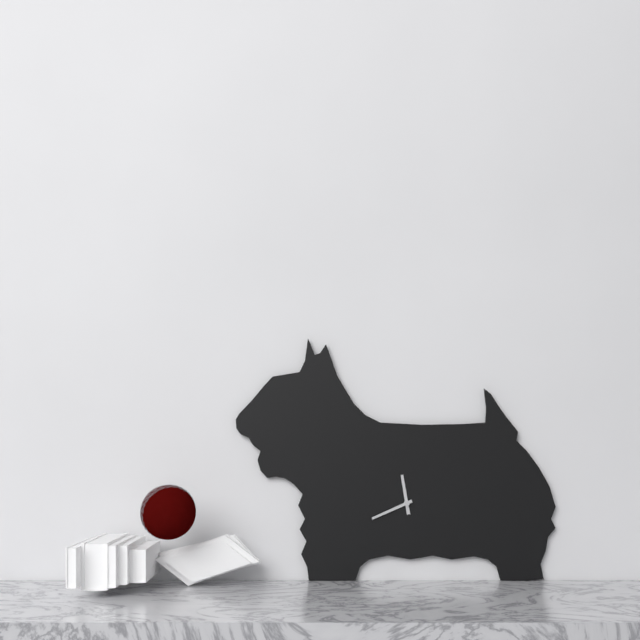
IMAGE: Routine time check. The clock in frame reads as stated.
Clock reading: 11:41
